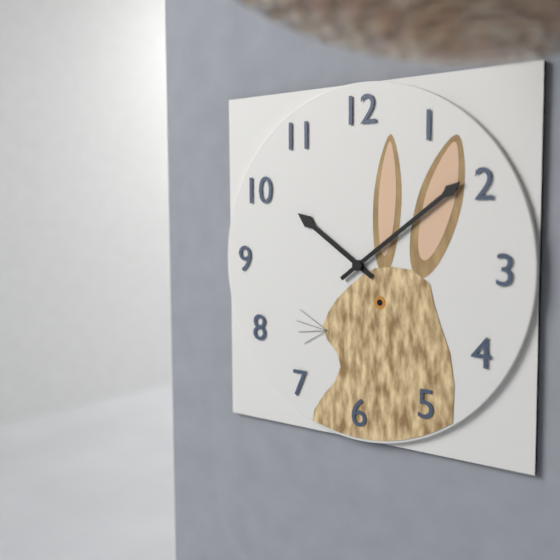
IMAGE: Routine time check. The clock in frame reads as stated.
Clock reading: 10:09
